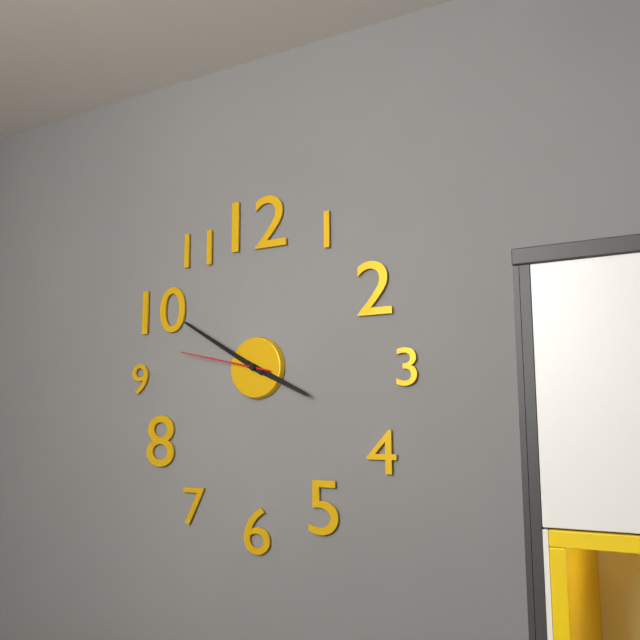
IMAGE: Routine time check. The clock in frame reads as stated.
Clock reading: 3:50:47
